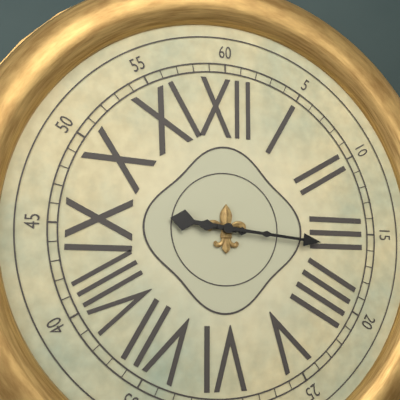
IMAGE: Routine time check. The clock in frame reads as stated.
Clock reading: 9:16
